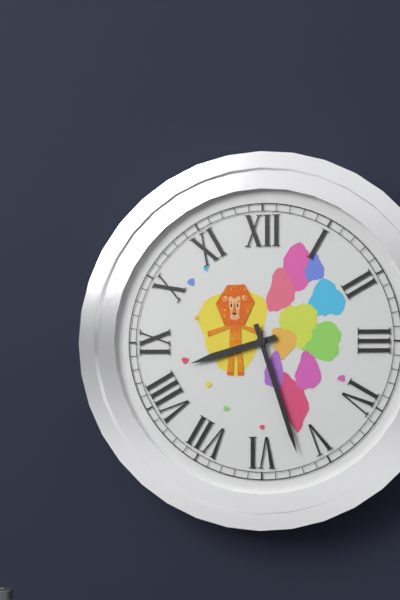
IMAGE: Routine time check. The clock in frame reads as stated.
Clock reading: 8:27
